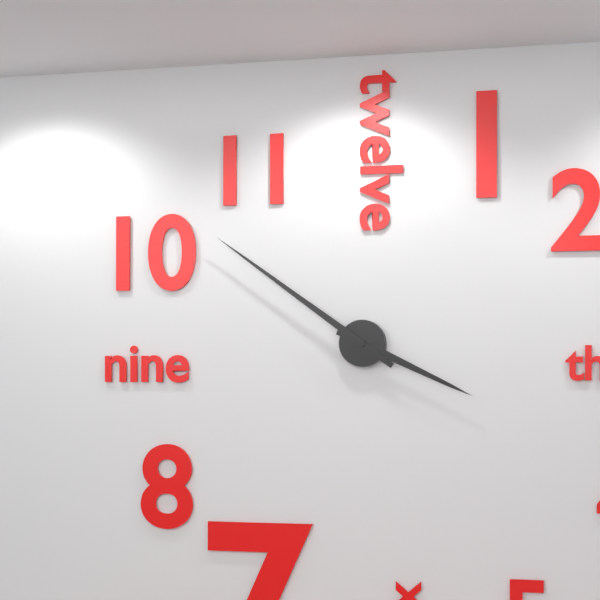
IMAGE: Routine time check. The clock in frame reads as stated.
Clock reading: 3:51
